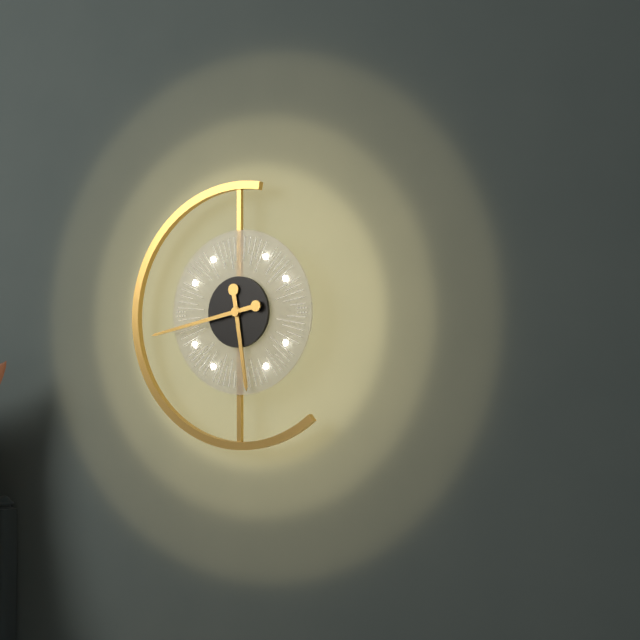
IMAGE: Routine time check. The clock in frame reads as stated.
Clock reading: 5:43
